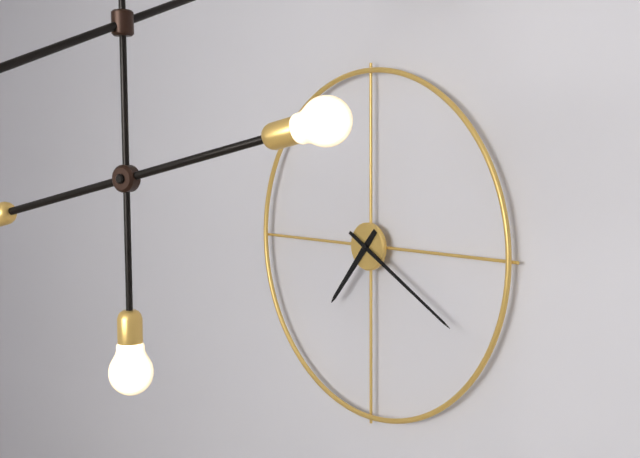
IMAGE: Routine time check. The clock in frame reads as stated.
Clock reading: 7:20
